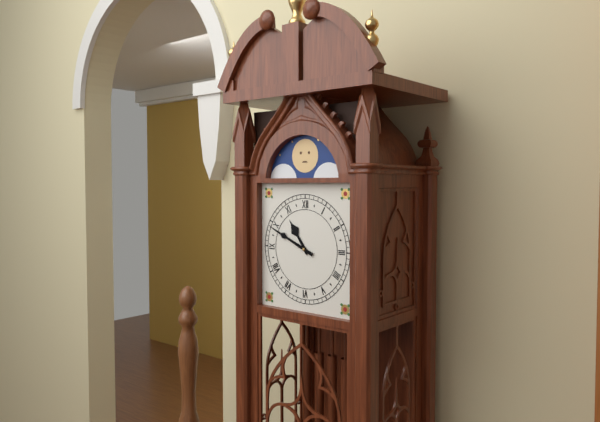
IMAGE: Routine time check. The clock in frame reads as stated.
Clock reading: 10:49
